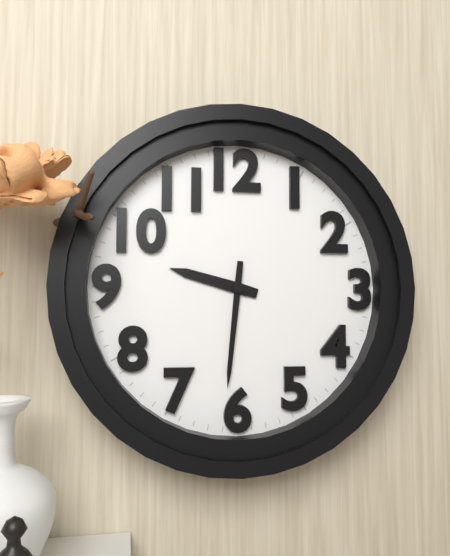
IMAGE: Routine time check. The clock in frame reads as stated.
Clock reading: 9:31
